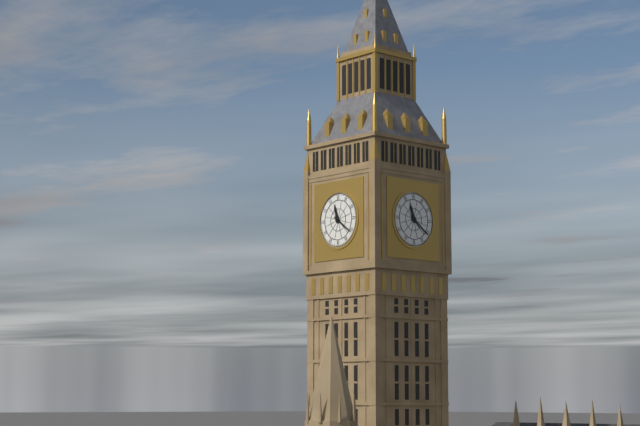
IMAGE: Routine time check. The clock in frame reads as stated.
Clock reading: 11:21
